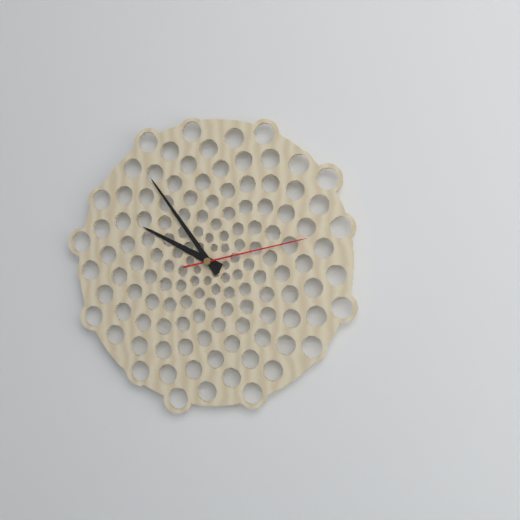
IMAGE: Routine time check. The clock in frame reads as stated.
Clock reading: 9:54:13
